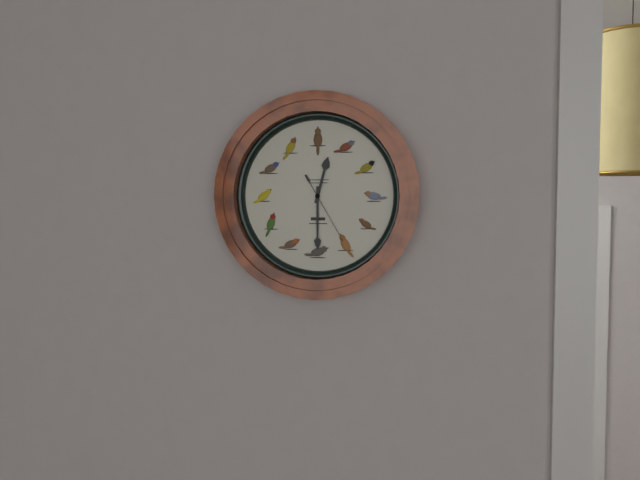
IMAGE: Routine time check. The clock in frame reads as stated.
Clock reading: 12:30:25
